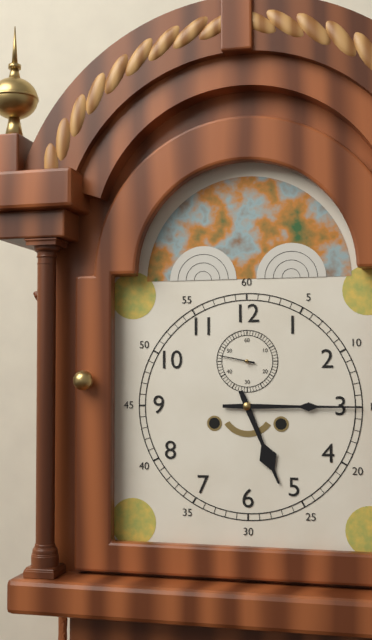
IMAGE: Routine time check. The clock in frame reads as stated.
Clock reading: 5:15
